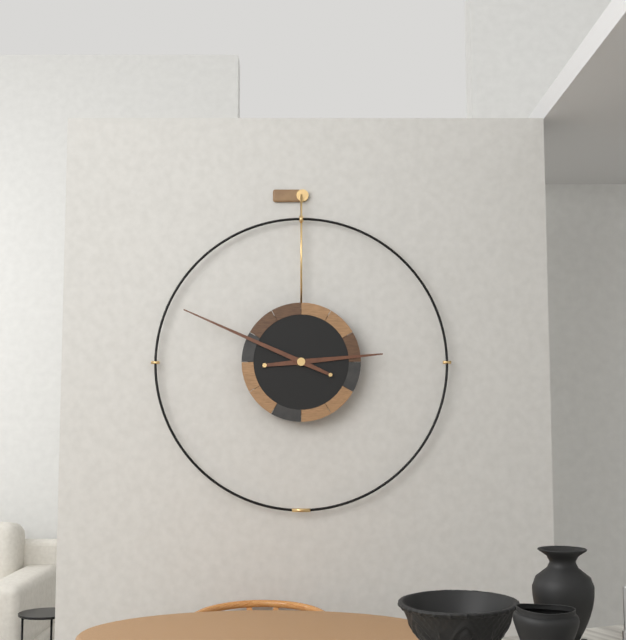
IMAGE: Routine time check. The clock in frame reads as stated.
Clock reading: 2:49
